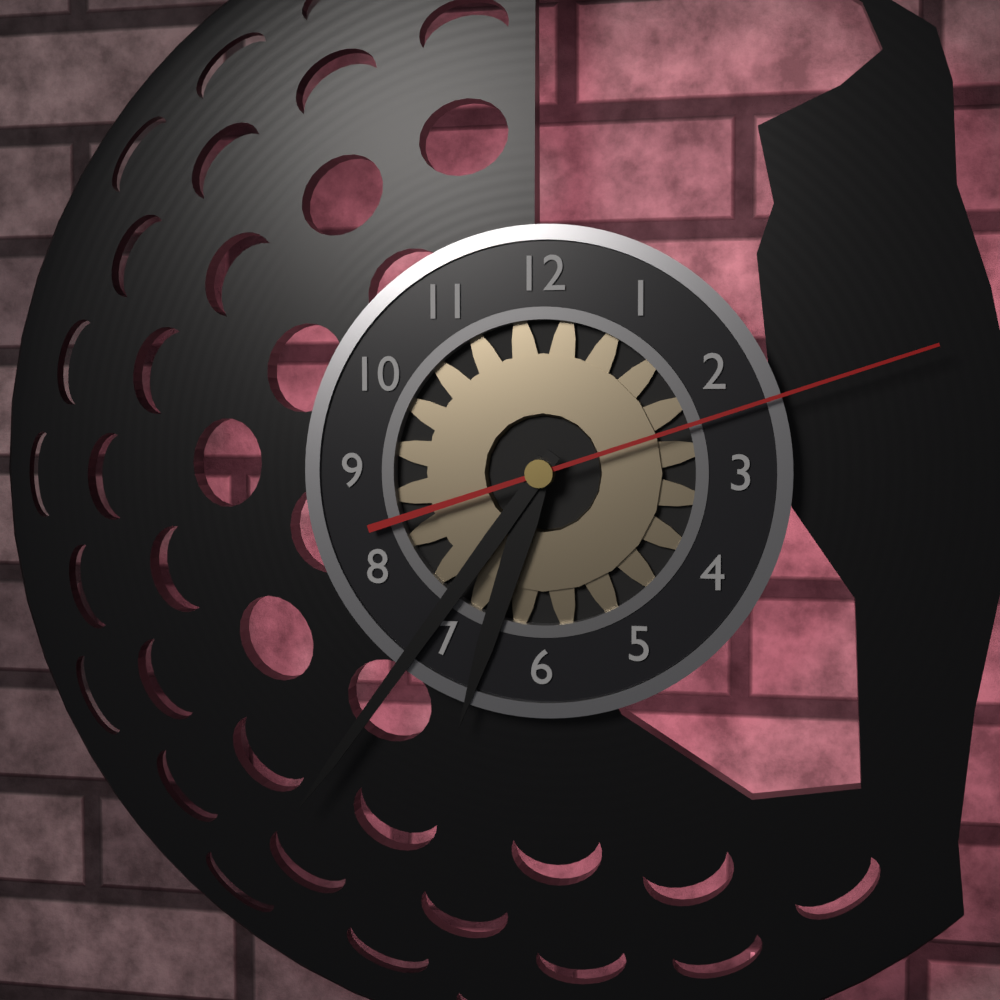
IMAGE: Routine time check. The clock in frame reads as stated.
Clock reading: 6:36:12
